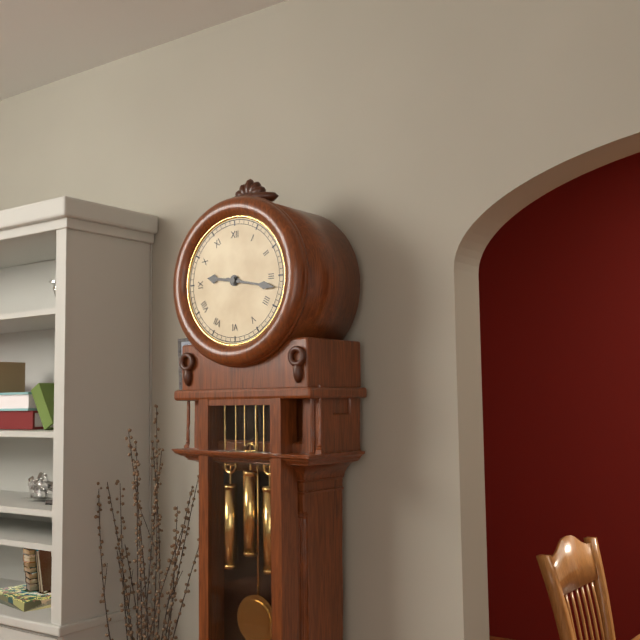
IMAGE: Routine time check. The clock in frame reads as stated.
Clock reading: 9:17
